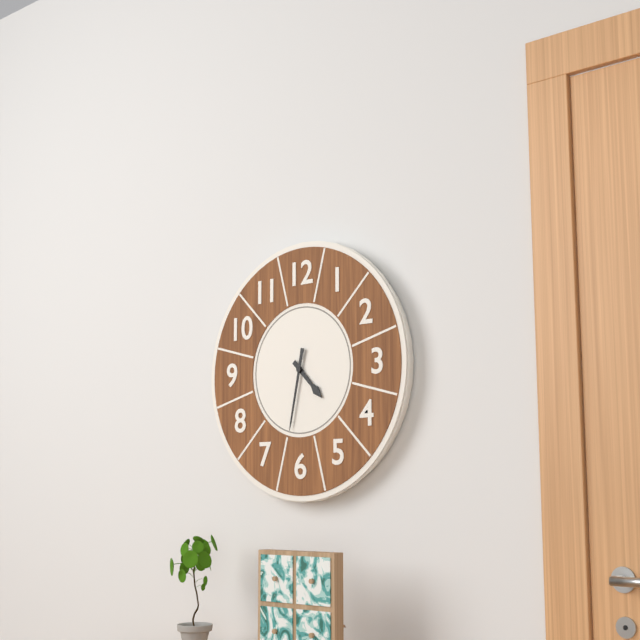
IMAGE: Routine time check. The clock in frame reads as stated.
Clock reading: 4:32
